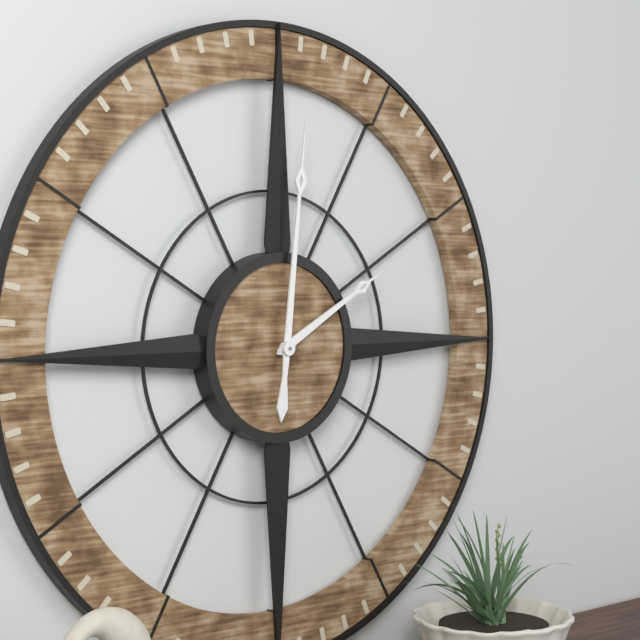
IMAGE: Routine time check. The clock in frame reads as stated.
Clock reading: 2:01
